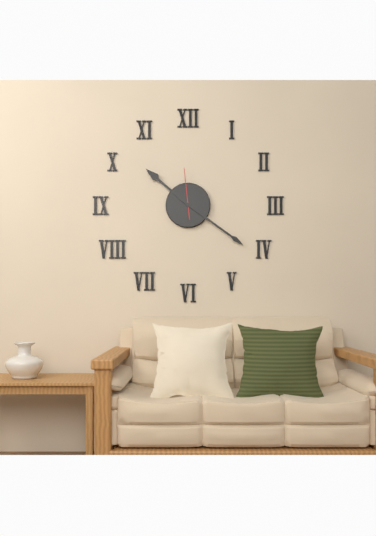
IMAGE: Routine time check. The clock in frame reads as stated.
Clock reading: 10:21
